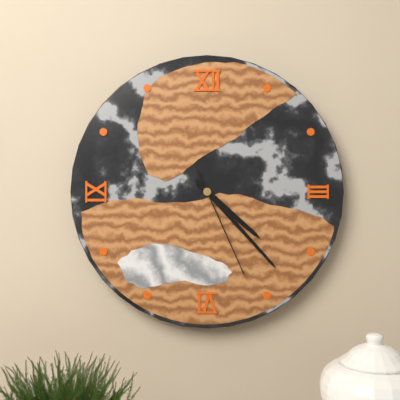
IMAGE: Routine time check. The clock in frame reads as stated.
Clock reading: 4:23:26
